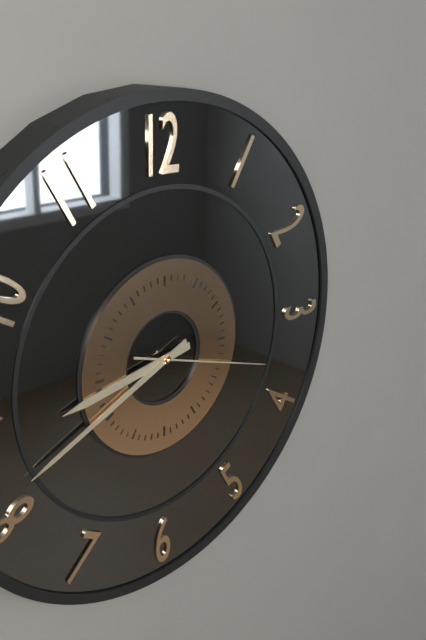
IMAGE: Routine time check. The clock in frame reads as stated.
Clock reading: 8:41:18
